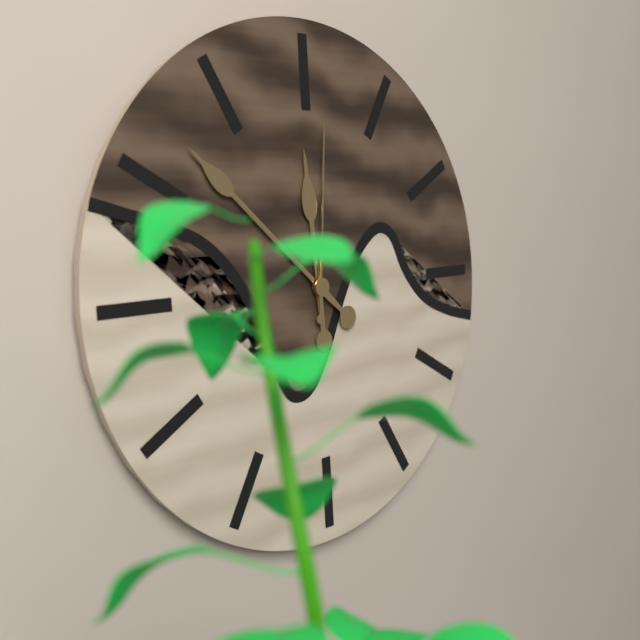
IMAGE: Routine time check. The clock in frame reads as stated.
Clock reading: 11:52:01
